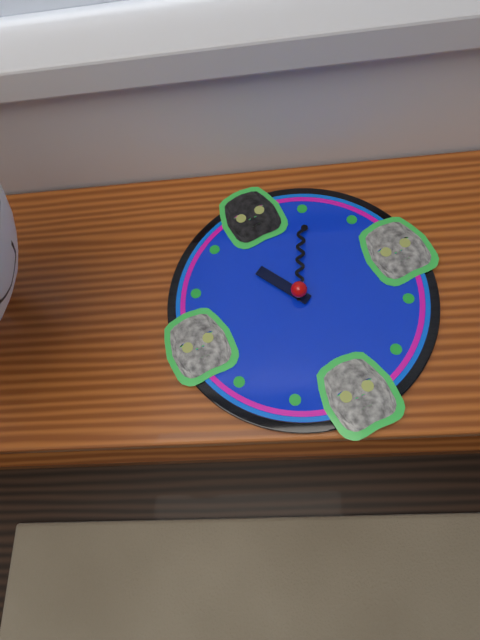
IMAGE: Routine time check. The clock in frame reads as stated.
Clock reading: 11:05
